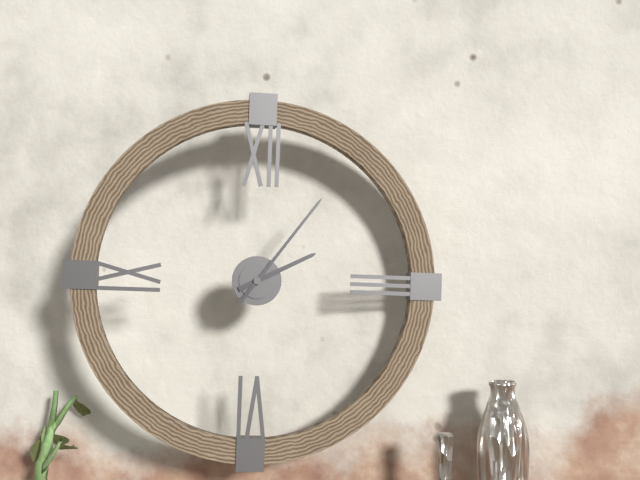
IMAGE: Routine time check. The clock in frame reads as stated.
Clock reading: 2:06
